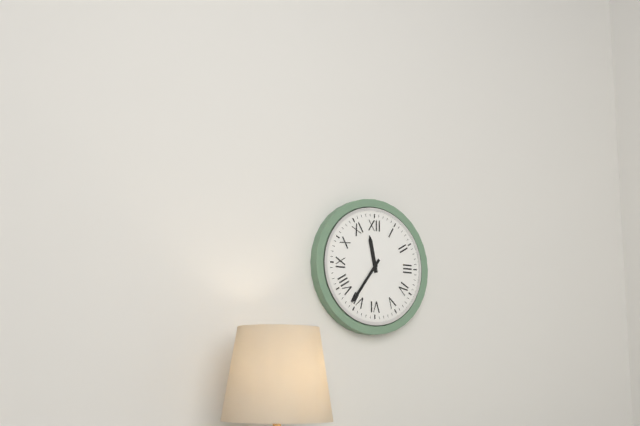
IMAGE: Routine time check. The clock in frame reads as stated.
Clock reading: 11:36
